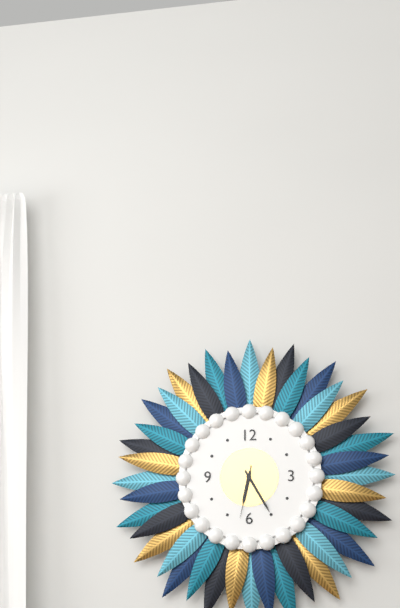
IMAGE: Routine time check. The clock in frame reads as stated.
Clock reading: 6:25:32
